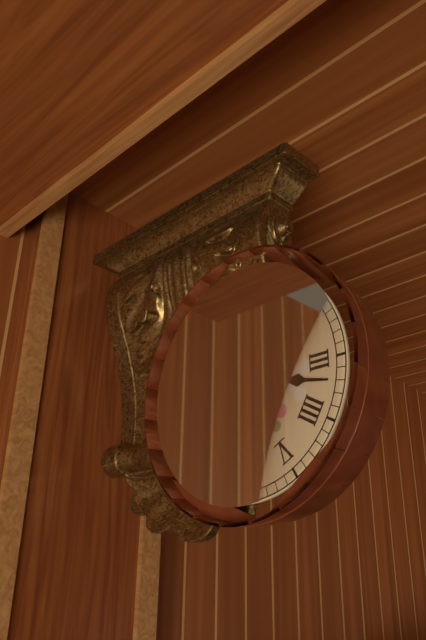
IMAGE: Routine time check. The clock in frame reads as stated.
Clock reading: 6:17
